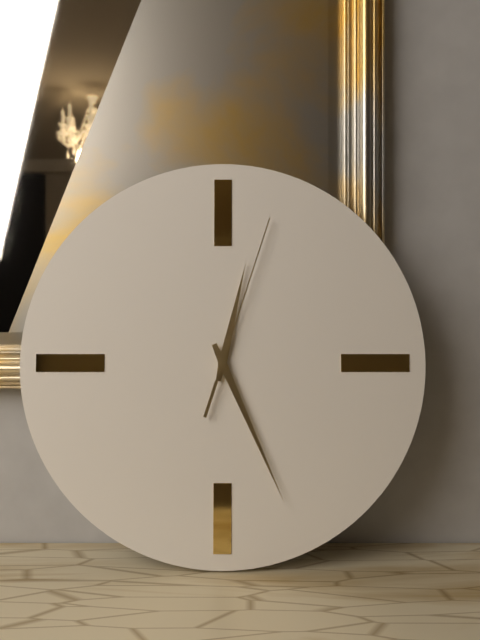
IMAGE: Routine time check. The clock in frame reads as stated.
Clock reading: 12:26:03
